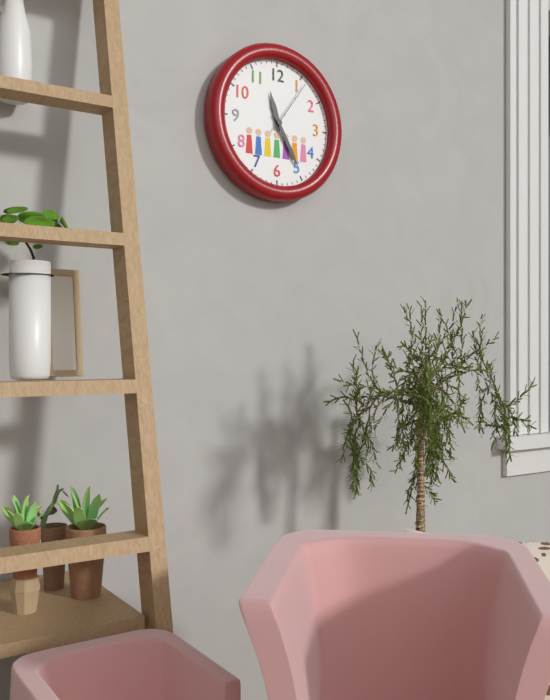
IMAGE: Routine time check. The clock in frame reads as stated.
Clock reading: 11:25:06
